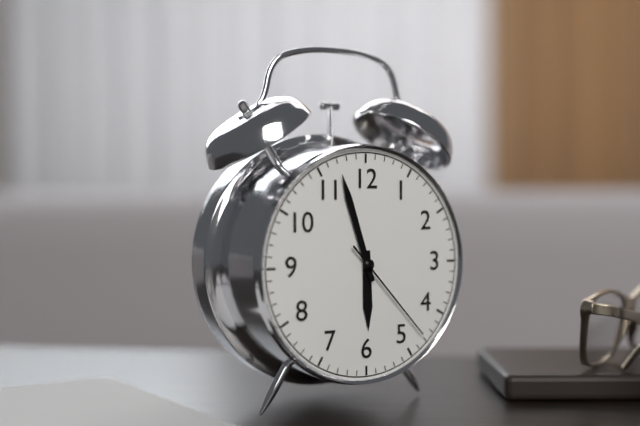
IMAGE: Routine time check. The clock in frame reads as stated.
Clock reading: 5:57:23
